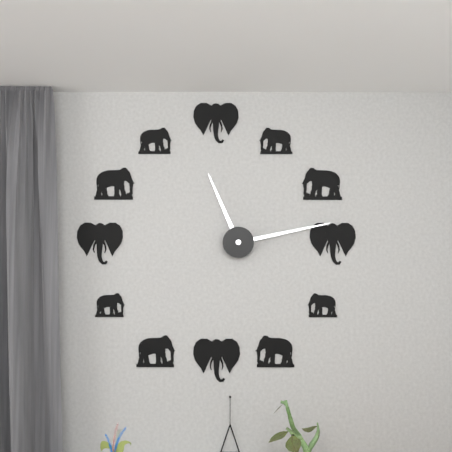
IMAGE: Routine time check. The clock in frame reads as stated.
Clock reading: 11:13
